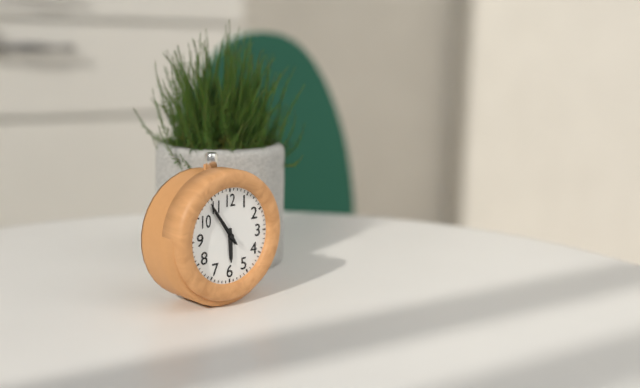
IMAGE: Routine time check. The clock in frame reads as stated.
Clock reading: 5:54
